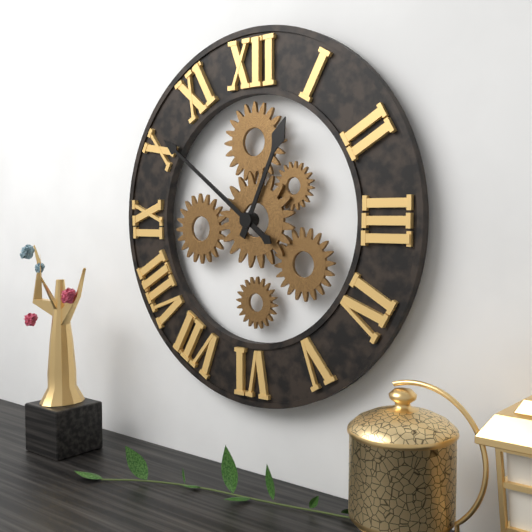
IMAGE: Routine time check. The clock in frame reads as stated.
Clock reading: 12:51
